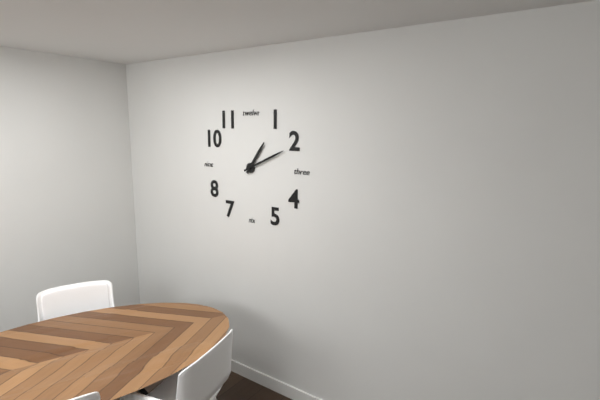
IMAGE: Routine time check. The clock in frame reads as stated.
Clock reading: 1:11
